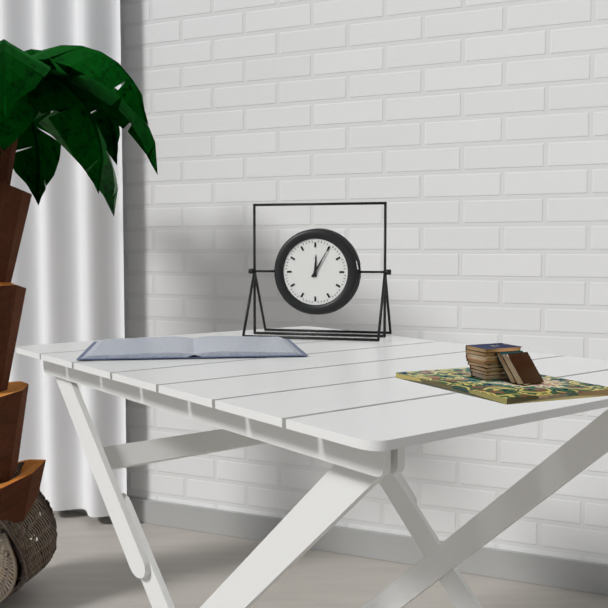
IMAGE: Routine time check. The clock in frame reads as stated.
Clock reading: 12:05
